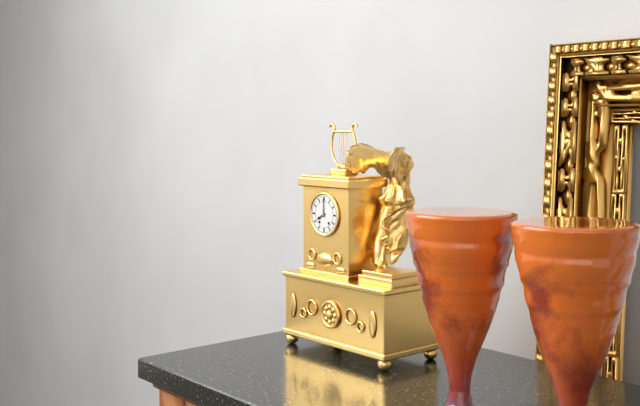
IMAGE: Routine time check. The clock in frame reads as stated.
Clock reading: 8:00
